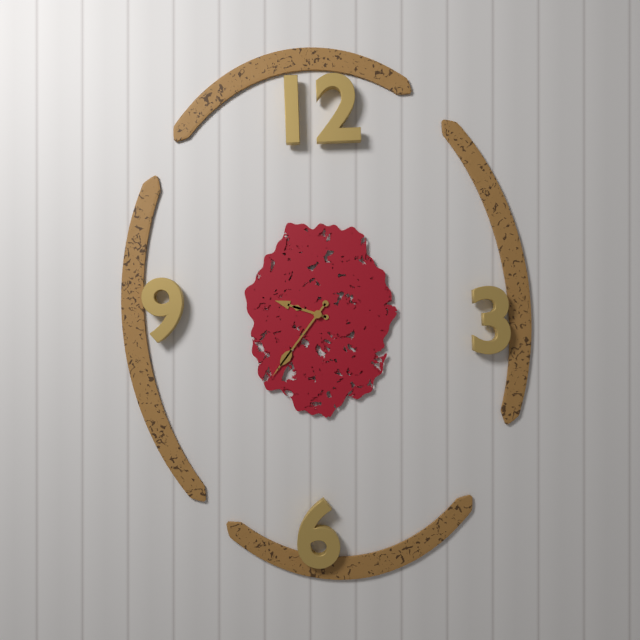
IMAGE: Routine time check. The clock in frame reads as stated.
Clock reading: 9:36
